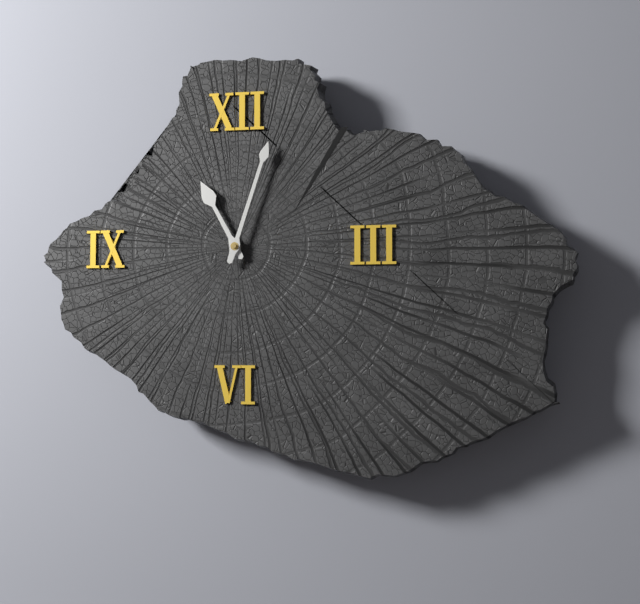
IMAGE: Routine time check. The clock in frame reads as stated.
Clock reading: 11:03
